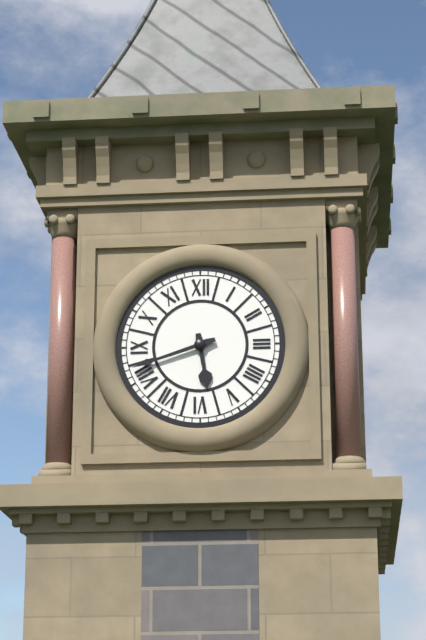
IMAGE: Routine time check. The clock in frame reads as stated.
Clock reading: 5:42
